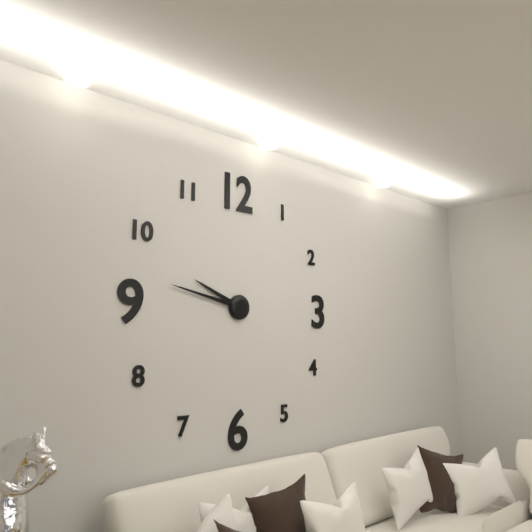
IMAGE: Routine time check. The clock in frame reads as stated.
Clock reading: 9:47
